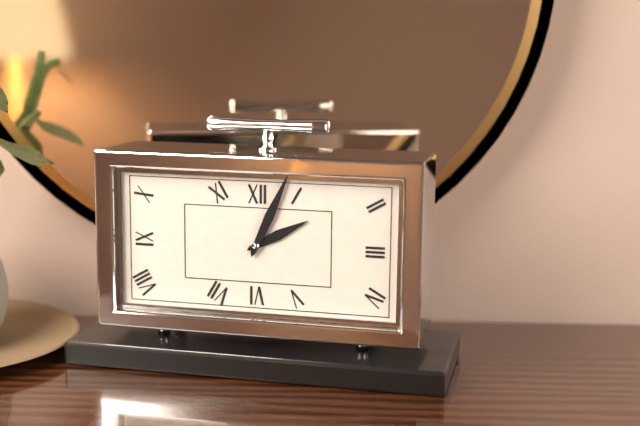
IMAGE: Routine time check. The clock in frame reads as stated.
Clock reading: 2:04
